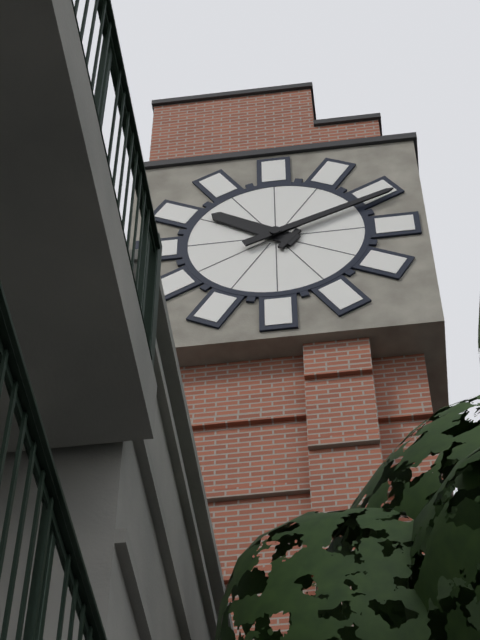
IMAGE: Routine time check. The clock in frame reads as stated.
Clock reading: 10:11
